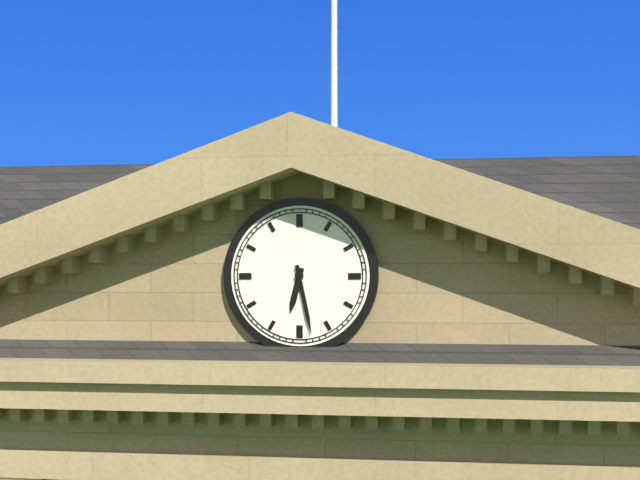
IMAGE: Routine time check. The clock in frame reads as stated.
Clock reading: 6:28
